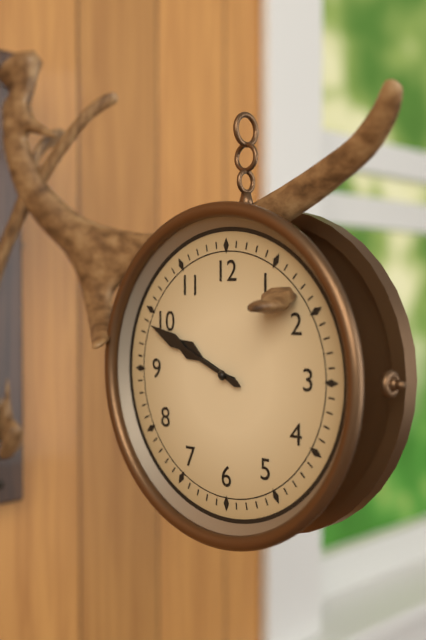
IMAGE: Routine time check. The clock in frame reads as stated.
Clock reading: 9:49
